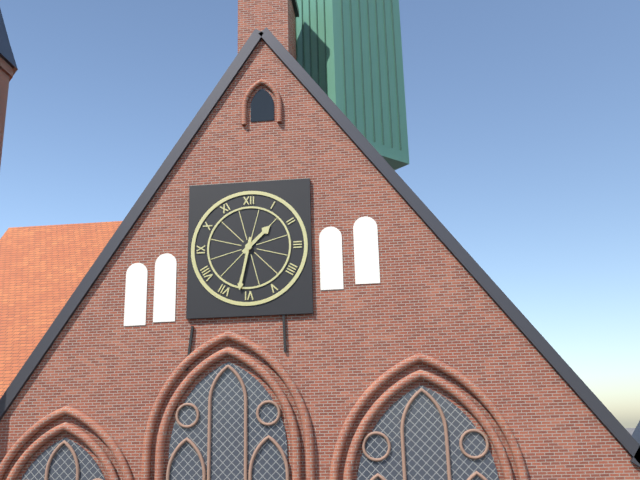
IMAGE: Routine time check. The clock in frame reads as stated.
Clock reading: 1:32
